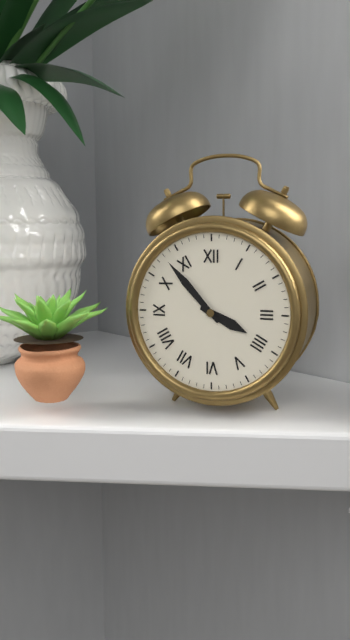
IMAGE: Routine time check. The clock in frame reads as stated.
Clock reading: 3:53
